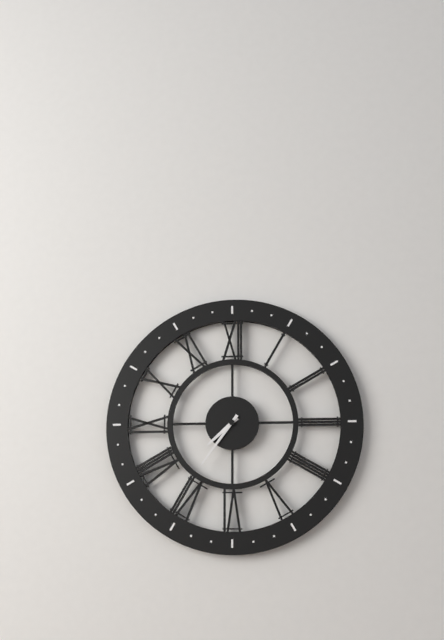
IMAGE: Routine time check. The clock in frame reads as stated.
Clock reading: 7:36
